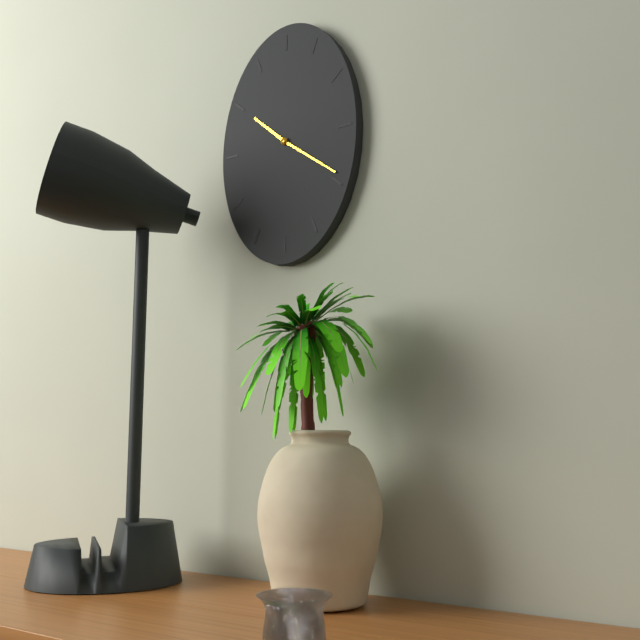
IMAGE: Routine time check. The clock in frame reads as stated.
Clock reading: 10:21
